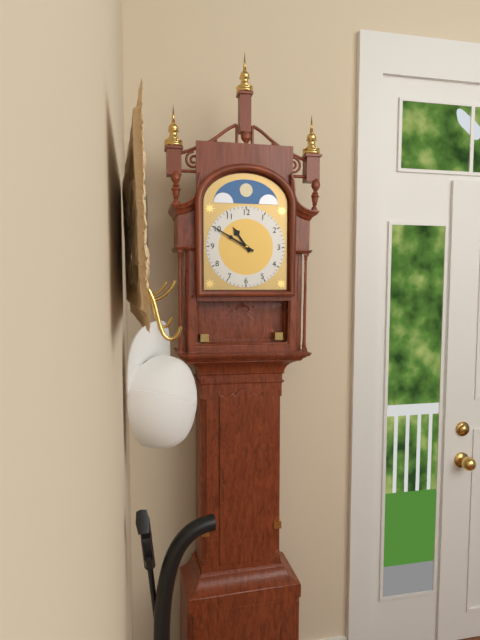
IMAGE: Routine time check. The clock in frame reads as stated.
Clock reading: 10:50
